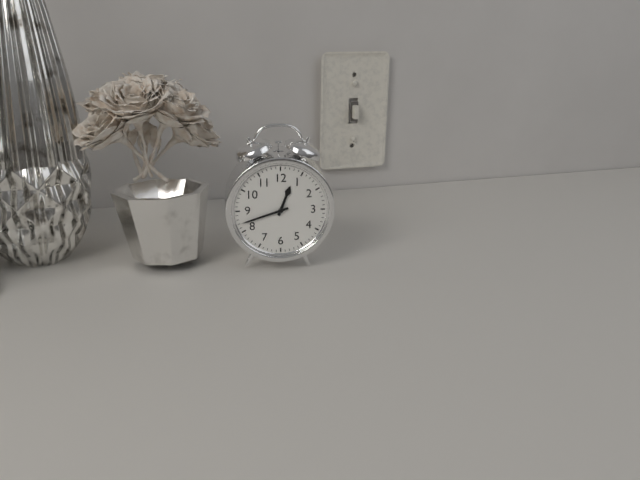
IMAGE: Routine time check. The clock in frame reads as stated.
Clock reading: 12:42
